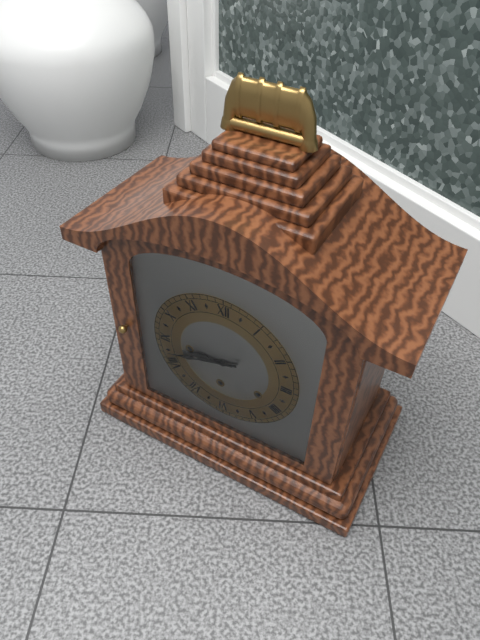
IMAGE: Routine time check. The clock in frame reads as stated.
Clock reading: 8:42
